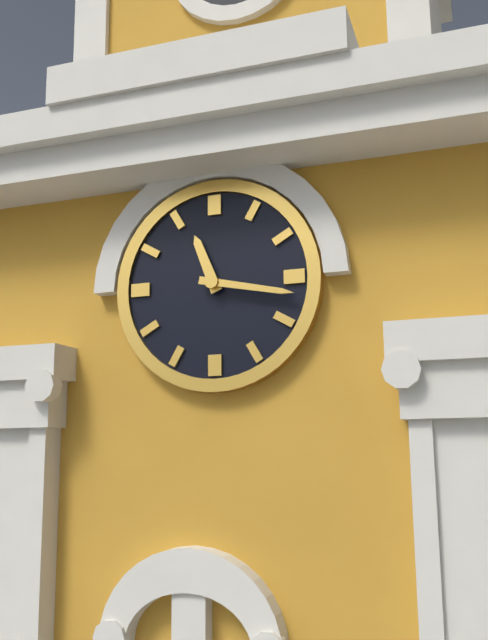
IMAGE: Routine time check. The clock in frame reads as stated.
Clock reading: 11:17
